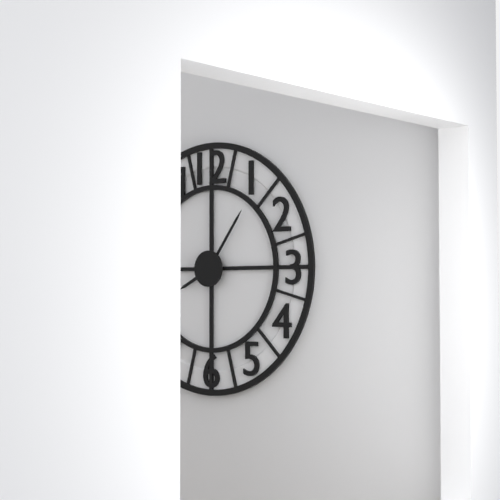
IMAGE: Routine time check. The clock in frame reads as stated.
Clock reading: 8:06
